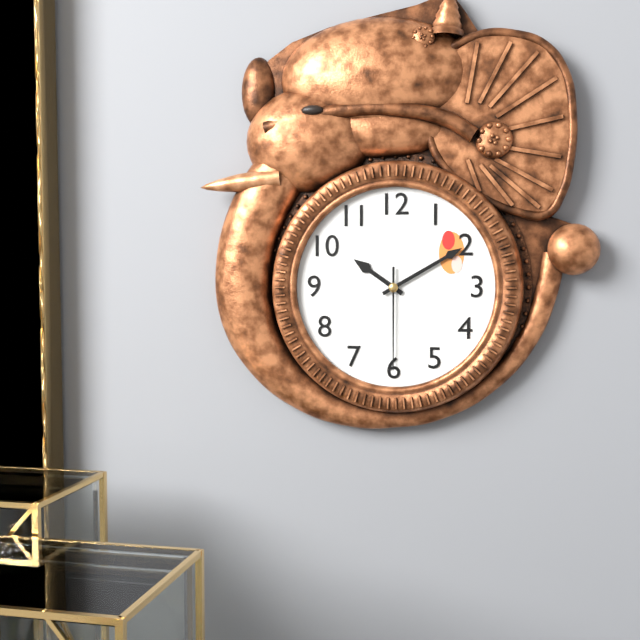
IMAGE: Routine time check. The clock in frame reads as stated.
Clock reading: 10:10:30
